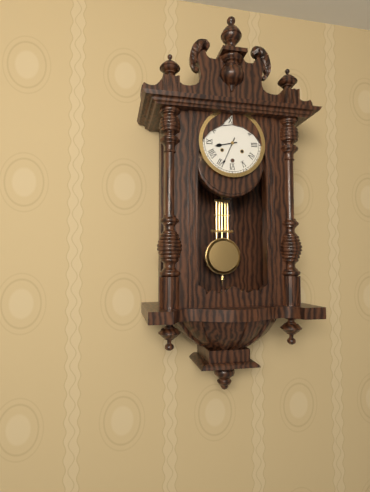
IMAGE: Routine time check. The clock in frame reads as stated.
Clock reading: 8:34
